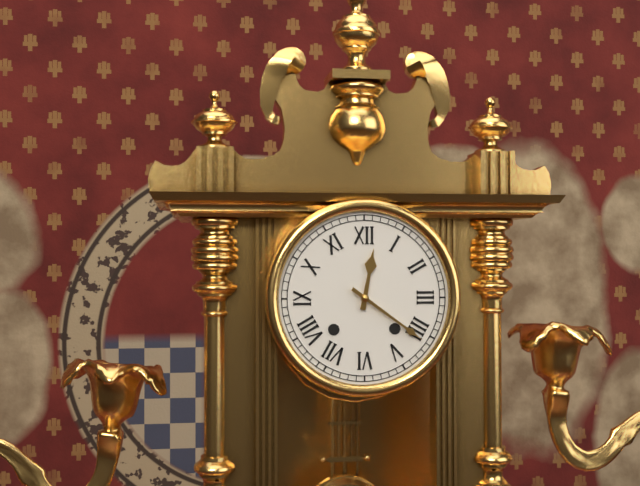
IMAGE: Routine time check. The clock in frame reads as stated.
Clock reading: 12:21
